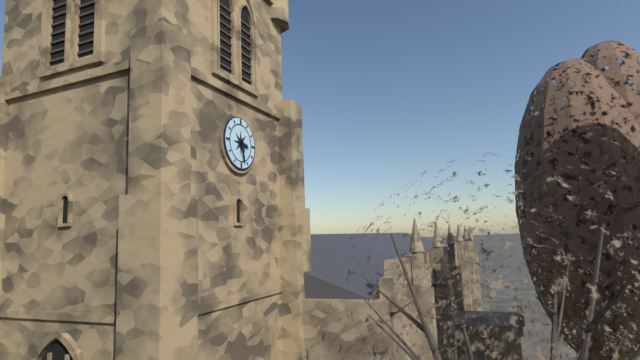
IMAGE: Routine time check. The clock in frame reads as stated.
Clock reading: 3:28
